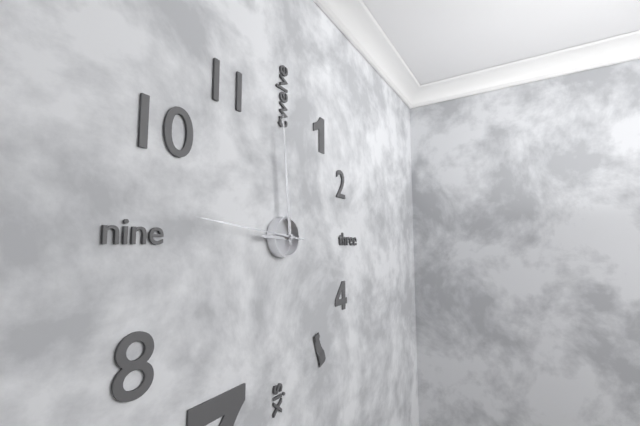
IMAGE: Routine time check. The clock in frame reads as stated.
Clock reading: 8:59:46
